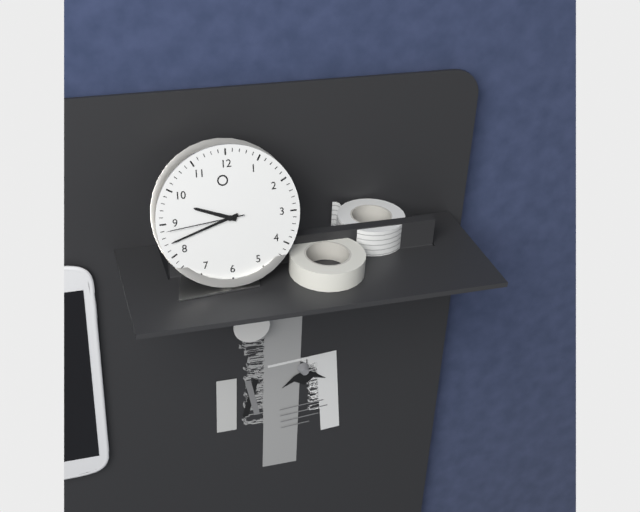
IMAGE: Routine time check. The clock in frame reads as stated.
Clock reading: 9:42:44
